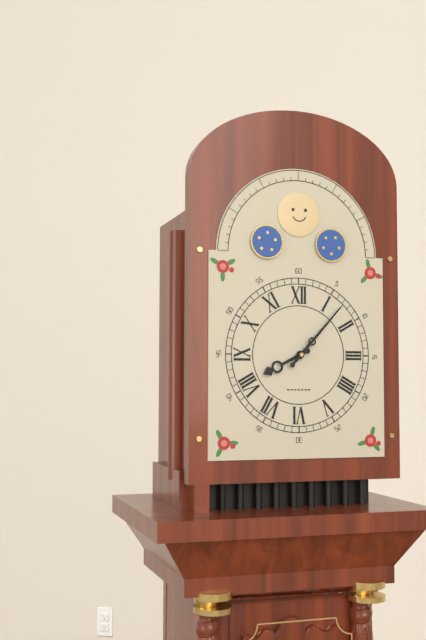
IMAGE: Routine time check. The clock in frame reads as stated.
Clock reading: 8:07
